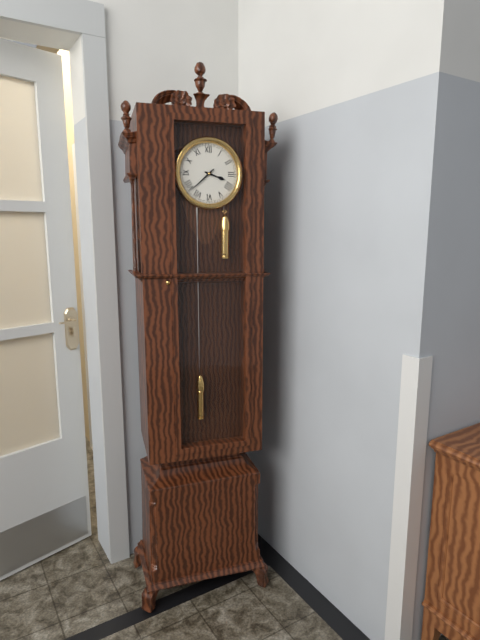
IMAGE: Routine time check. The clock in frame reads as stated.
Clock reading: 3:38
